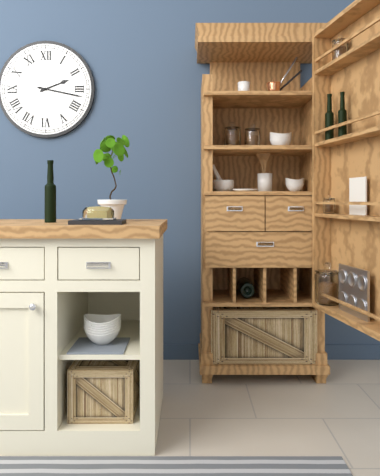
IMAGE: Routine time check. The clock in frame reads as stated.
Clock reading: 2:17
